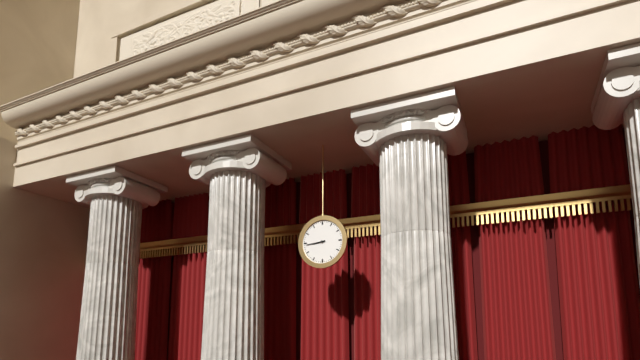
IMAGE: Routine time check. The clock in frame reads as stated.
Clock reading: 8:44
